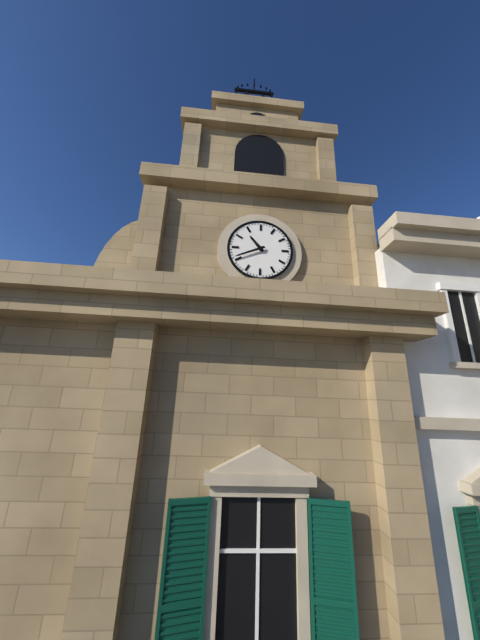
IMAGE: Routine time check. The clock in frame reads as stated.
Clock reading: 10:41
